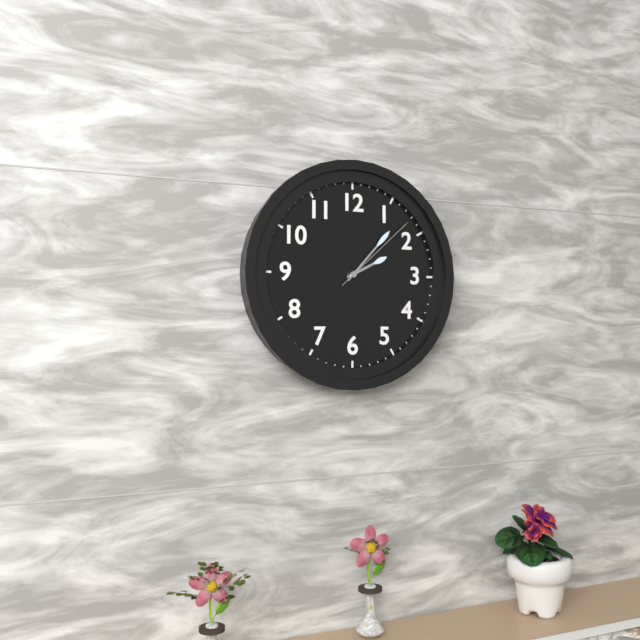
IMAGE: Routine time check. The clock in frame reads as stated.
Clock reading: 2:07:08
